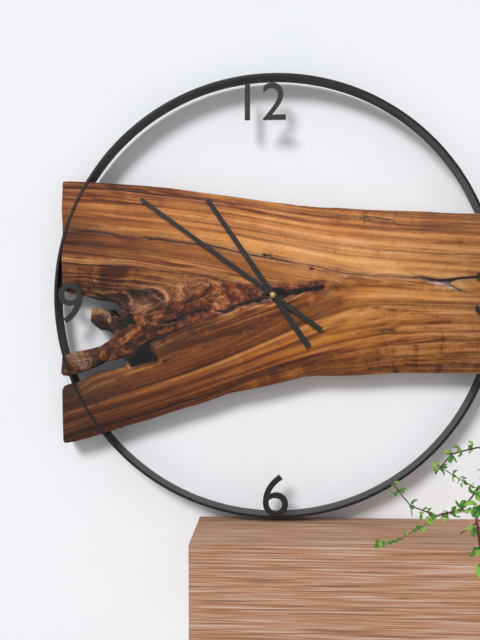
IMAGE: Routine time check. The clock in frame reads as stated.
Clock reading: 10:51
